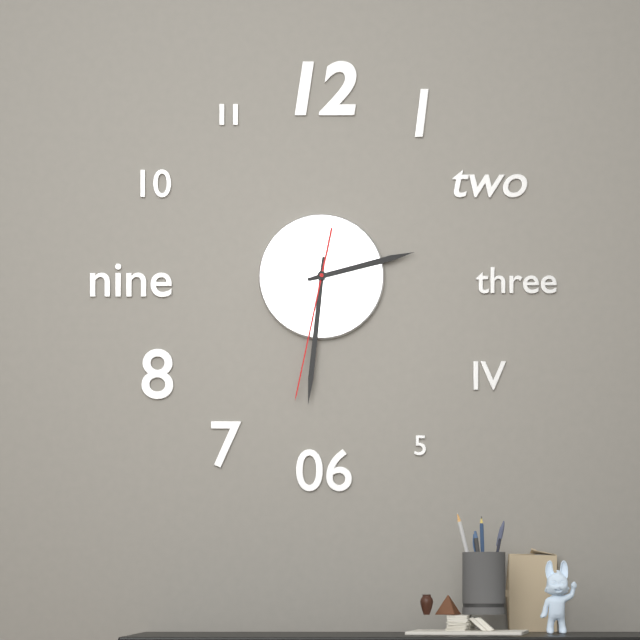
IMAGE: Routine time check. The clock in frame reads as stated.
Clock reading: 2:31:32
